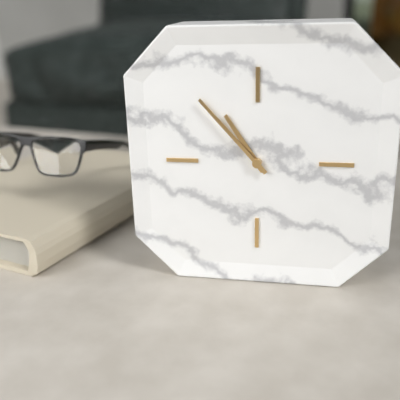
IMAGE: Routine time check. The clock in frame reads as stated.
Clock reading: 10:53
